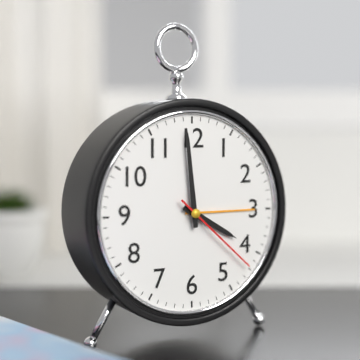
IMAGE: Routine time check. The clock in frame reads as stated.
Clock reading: 3:59:22
